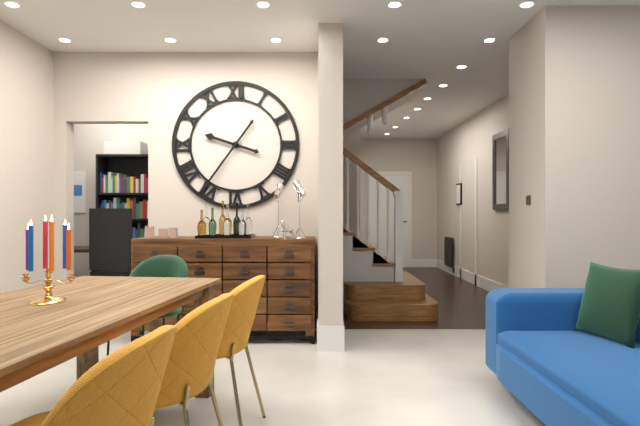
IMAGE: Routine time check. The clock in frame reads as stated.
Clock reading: 9:36
